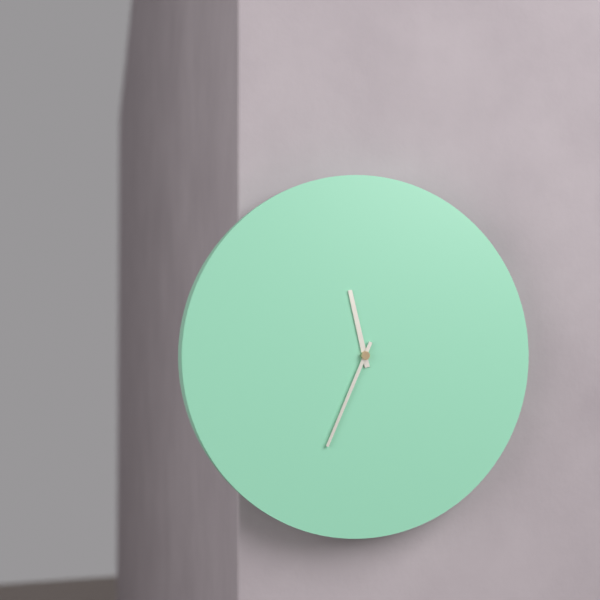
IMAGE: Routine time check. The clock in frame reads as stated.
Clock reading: 11:34
